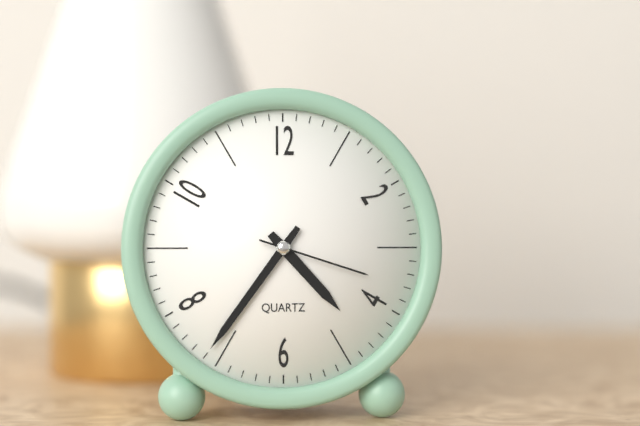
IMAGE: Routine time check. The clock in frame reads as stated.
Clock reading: 4:36:18
